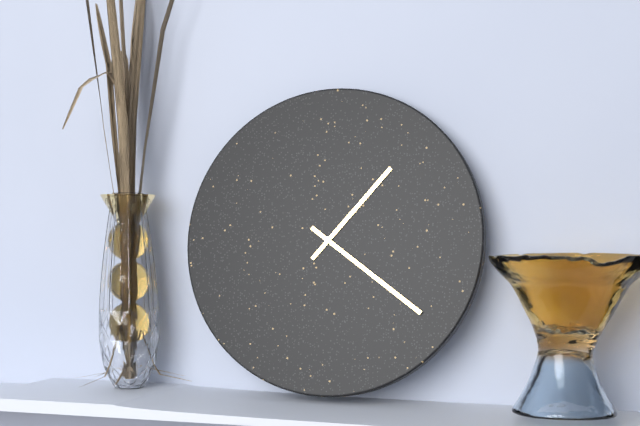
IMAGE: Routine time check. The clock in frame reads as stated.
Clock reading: 1:21
